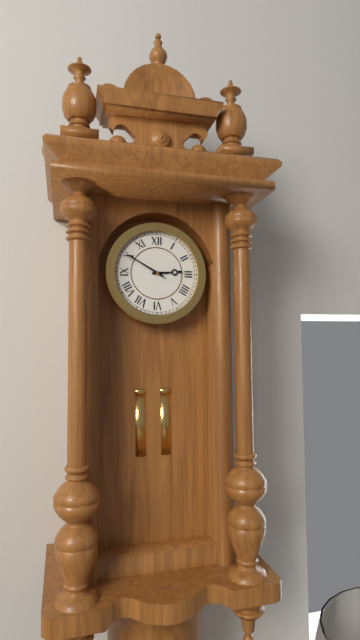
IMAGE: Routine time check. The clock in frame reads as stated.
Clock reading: 2:50
